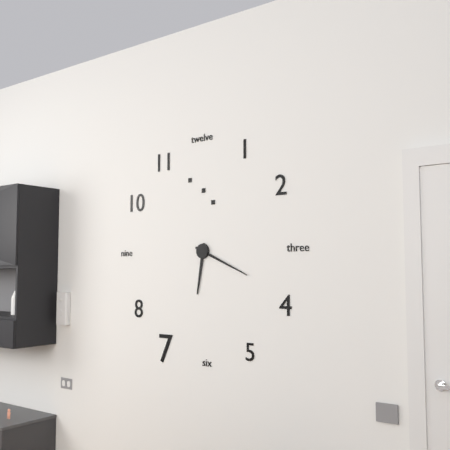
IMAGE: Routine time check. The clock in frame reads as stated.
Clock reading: 6:19
